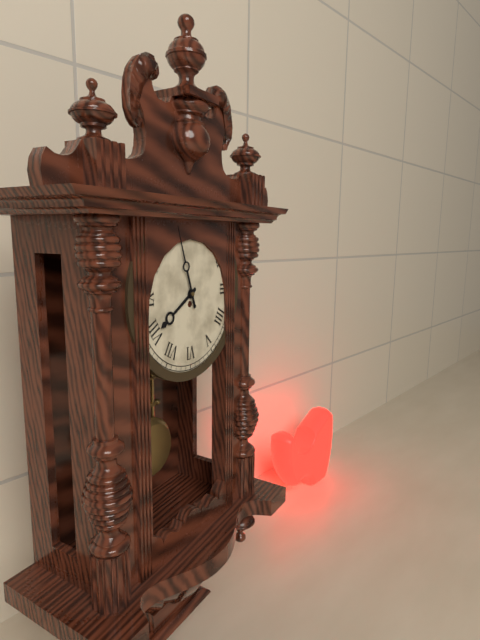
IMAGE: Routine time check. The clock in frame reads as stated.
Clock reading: 7:57
